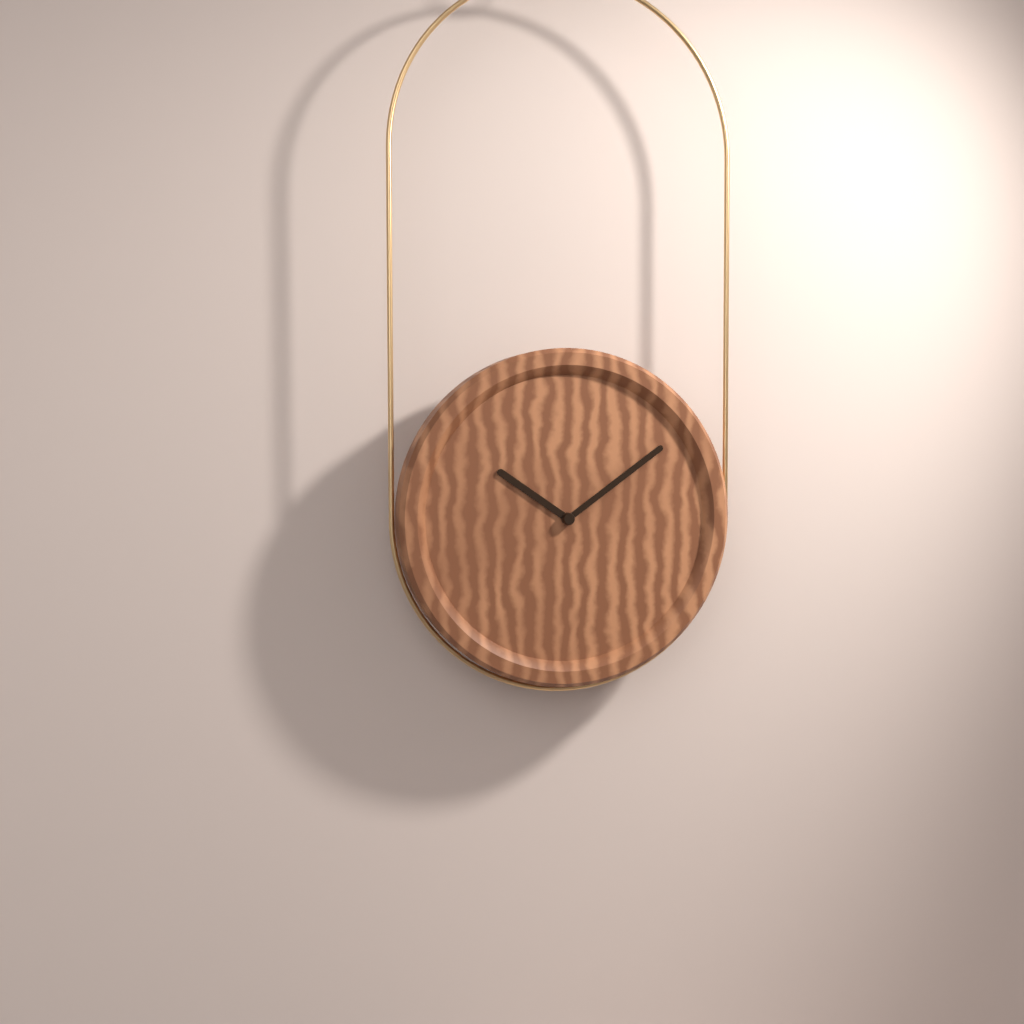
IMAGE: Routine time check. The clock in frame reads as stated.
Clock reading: 10:09
